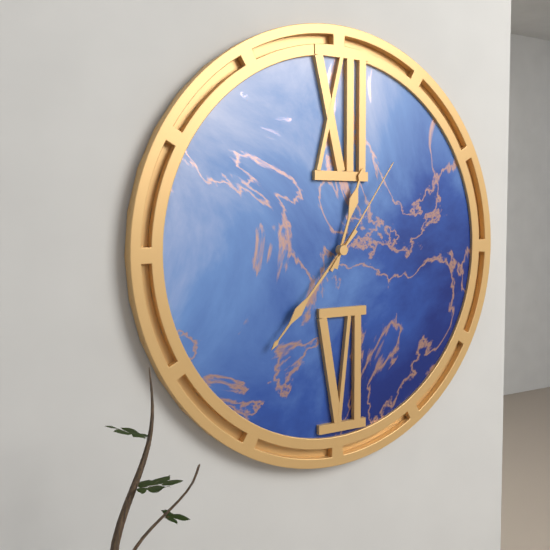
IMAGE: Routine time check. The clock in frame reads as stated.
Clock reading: 12:37:06
